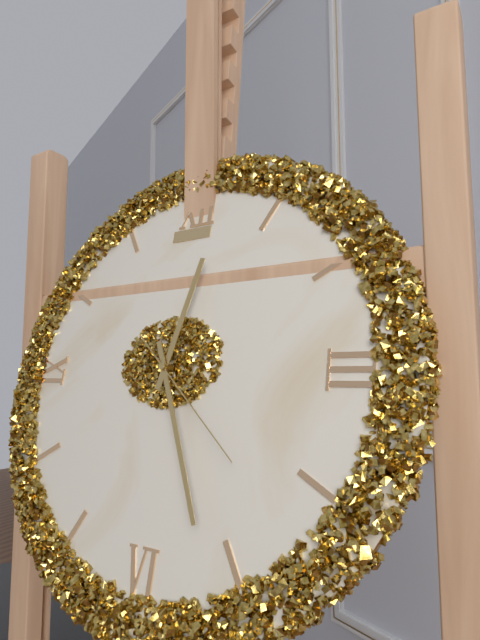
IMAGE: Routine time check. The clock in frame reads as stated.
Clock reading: 12:26:22
